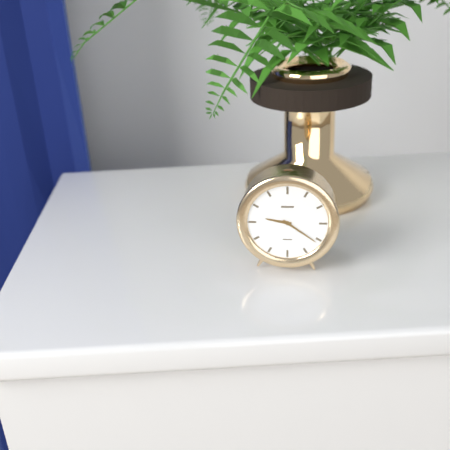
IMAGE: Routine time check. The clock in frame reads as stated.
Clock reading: 9:21
